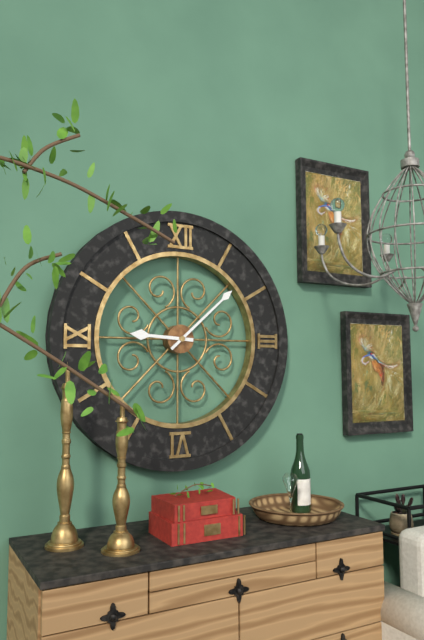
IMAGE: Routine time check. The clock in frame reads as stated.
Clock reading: 9:08
